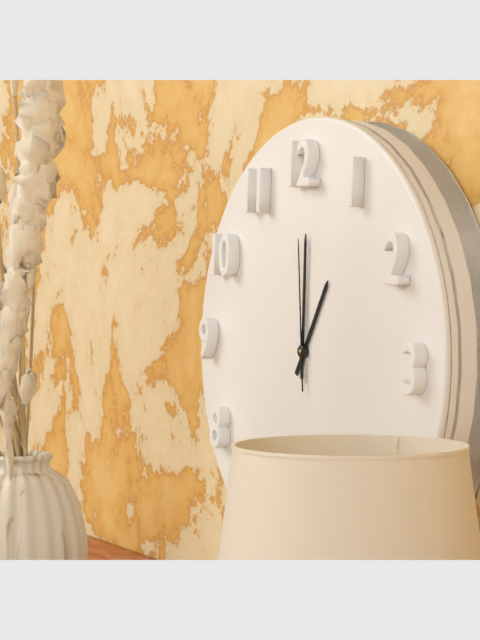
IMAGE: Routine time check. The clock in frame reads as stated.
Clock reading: 1:00:59
